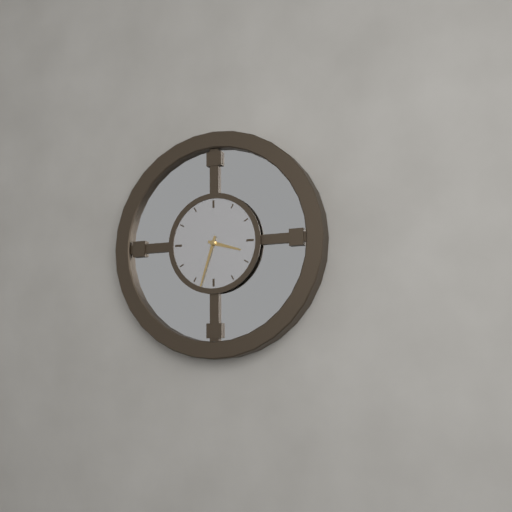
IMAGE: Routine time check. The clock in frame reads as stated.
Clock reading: 3:33
